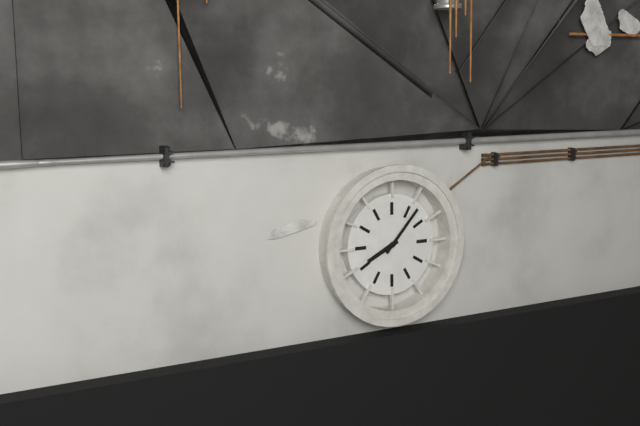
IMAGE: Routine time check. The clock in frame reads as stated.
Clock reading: 8:07
